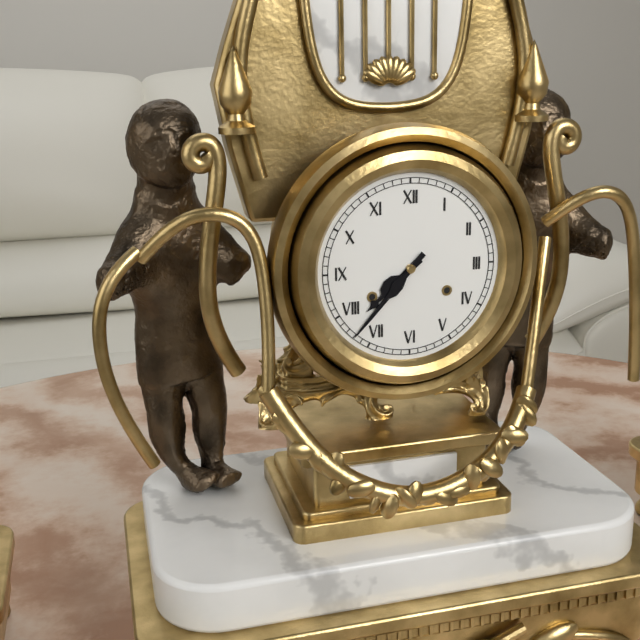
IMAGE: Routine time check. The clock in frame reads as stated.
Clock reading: 7:37
